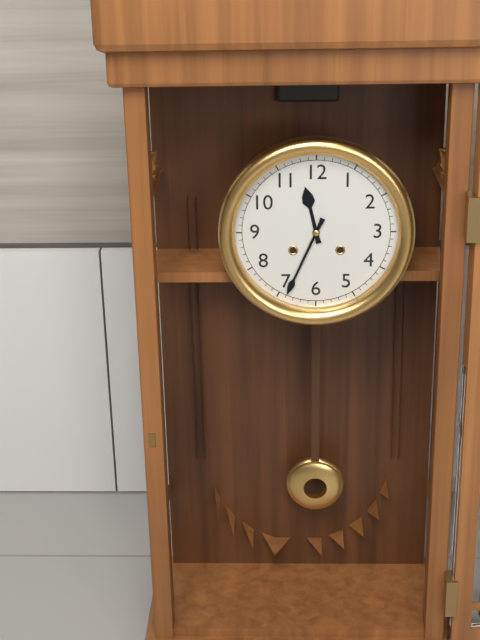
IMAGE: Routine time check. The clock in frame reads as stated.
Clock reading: 11:34
